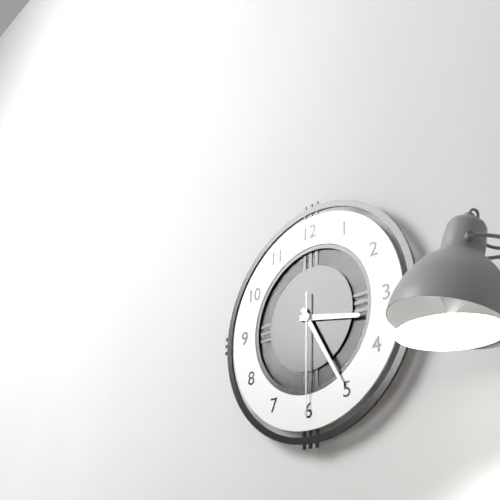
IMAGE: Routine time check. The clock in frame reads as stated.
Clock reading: 3:25:30
